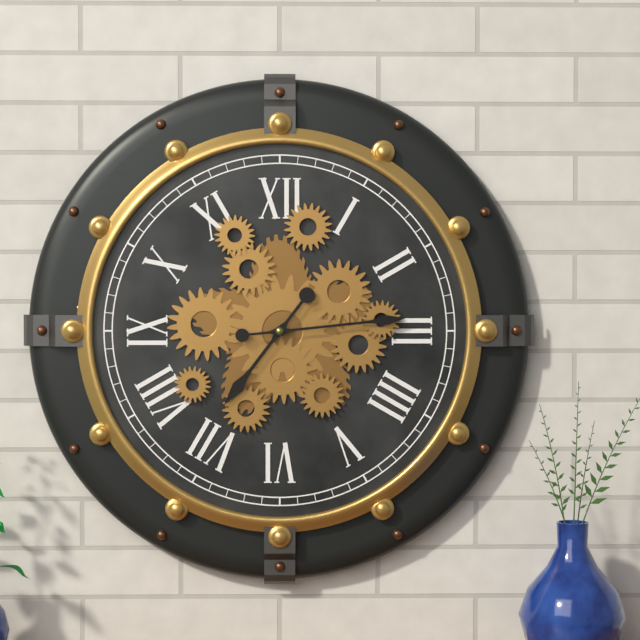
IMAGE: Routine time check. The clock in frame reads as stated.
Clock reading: 7:14
